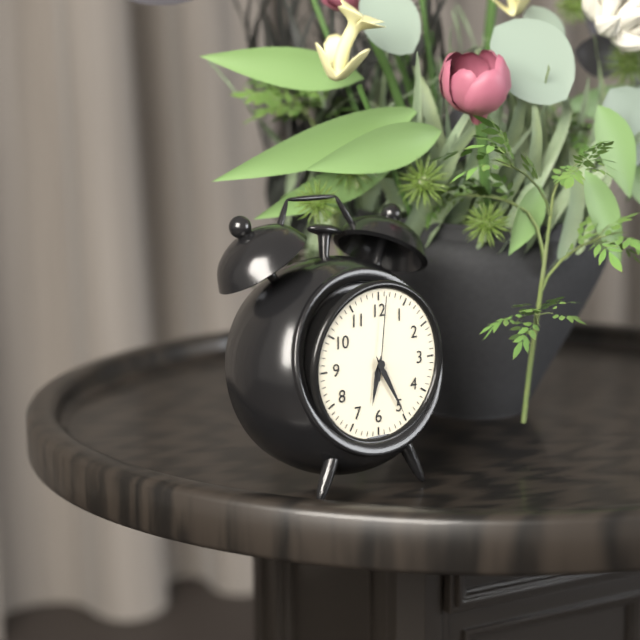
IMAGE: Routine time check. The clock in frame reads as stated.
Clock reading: 6:25:01
